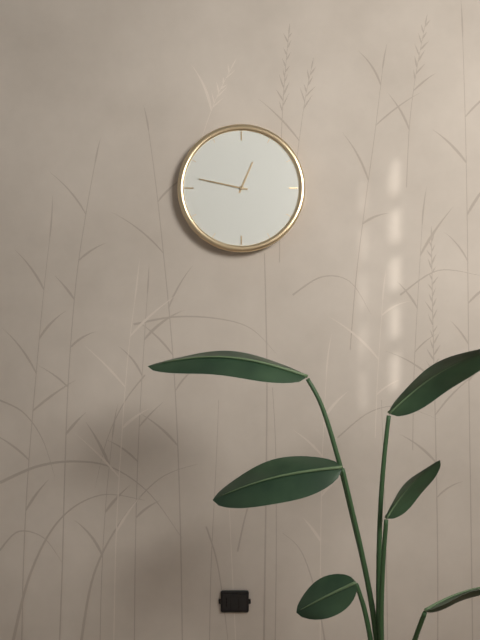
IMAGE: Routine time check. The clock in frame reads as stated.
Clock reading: 12:47
